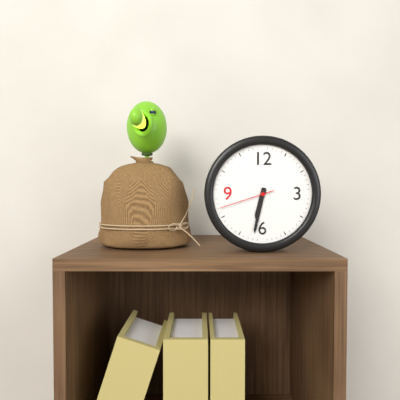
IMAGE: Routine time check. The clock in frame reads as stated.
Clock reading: 6:32:42
